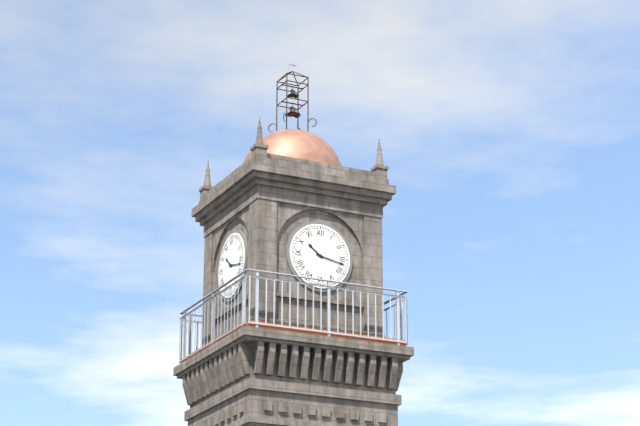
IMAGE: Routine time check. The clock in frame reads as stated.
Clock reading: 10:17
